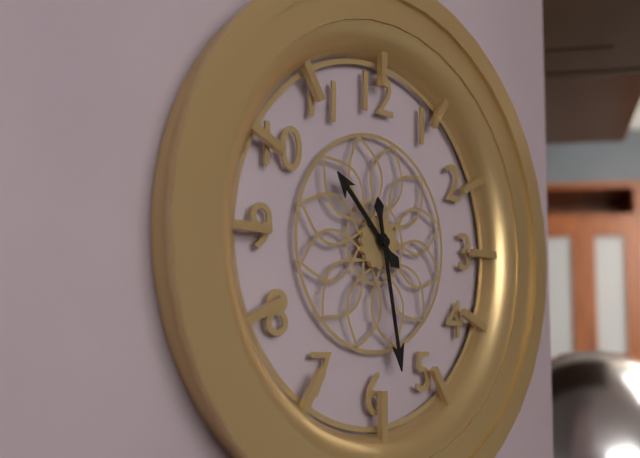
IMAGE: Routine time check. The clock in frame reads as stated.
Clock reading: 10:28
